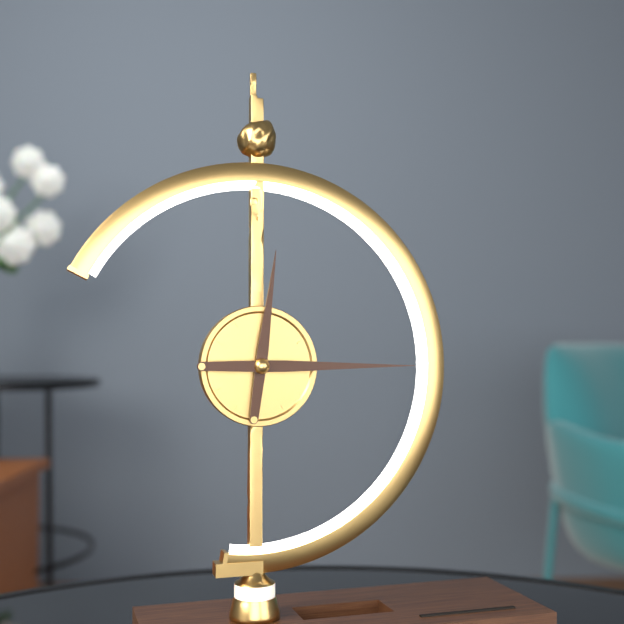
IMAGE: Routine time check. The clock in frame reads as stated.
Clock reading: 12:15
